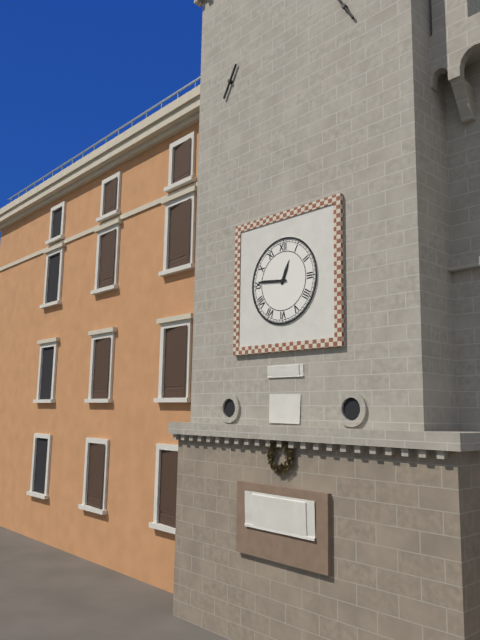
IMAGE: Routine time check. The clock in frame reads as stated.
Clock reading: 12:46
